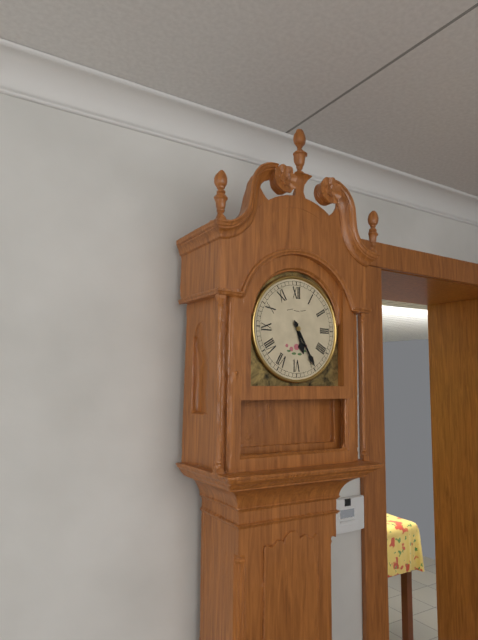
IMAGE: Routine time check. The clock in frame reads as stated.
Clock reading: 5:25
